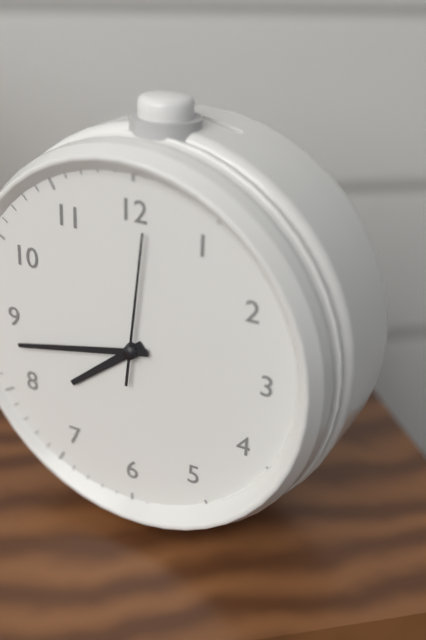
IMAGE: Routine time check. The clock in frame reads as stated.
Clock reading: 7:43:01
